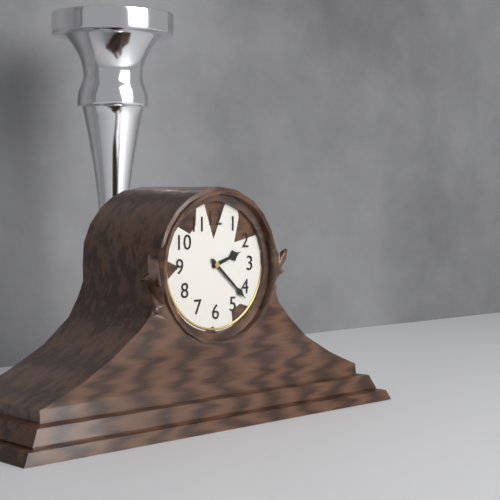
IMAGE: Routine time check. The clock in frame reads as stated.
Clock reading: 2:22
